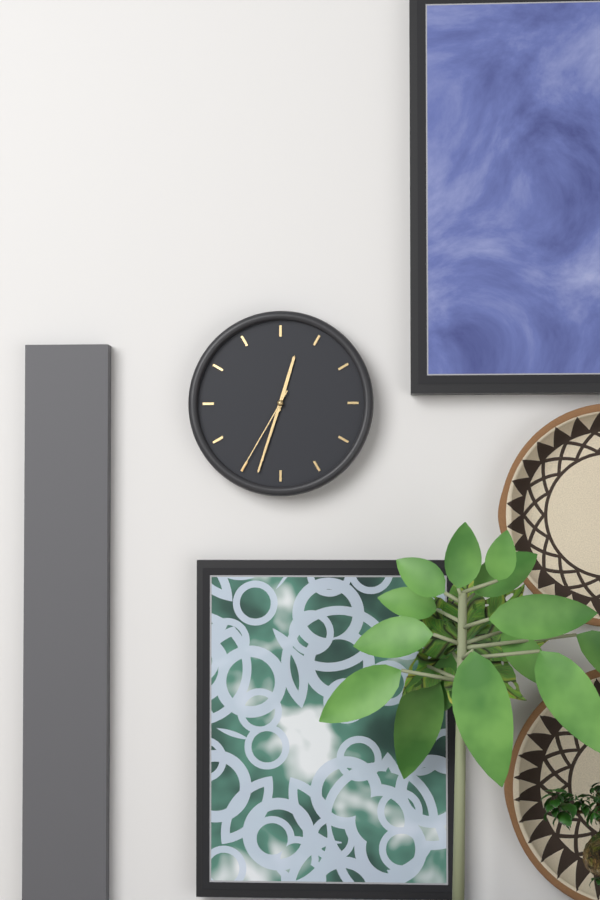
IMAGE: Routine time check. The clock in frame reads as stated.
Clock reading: 12:33:35
